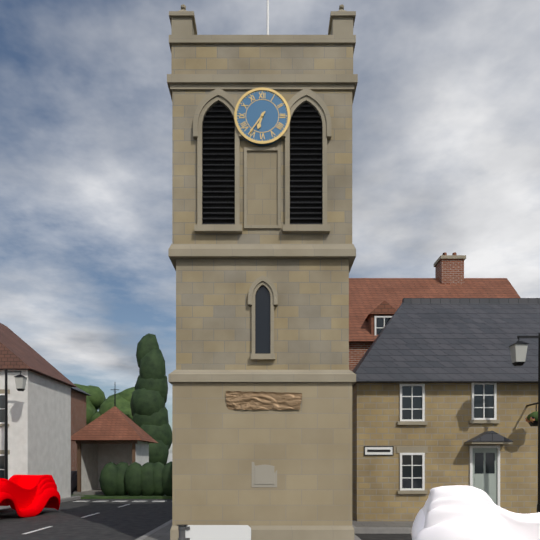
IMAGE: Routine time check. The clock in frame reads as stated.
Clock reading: 6:36
